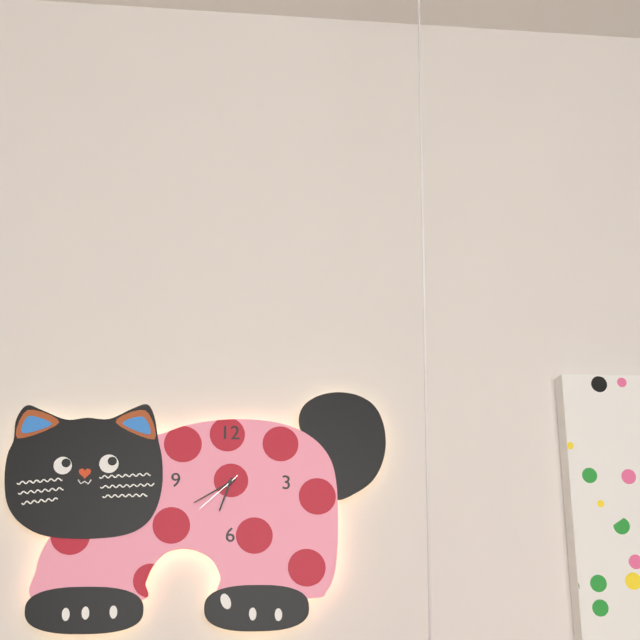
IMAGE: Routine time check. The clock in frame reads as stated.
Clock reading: 6:40:38
